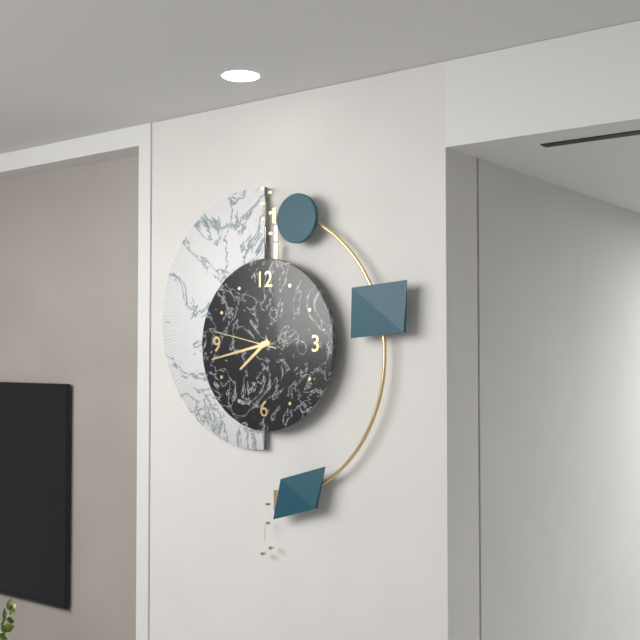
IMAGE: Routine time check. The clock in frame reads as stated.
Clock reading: 7:43:47
